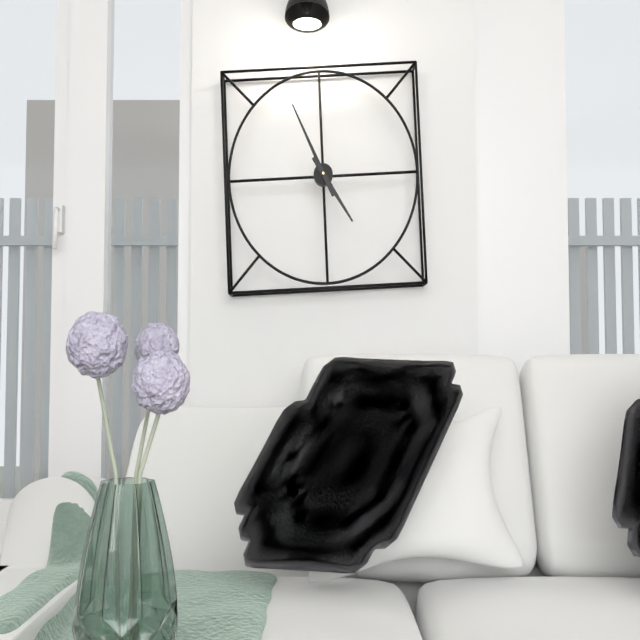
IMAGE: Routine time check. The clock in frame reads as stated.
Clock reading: 4:56
